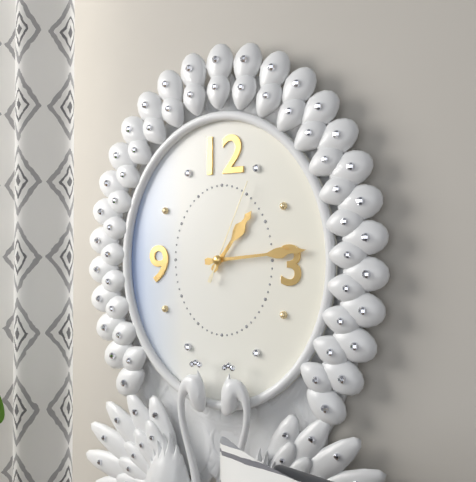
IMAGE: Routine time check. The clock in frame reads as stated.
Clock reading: 1:14:04
